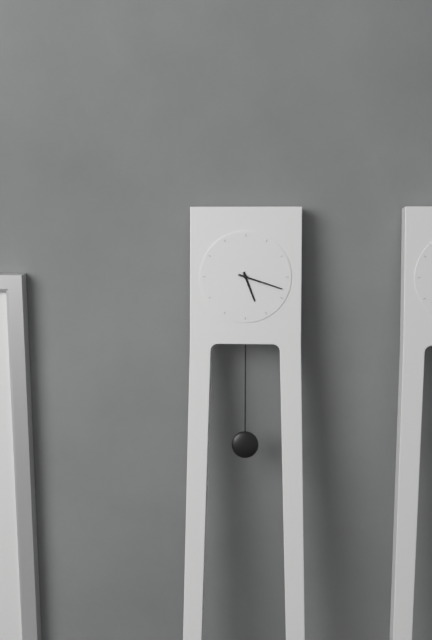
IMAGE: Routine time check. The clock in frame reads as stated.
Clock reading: 5:18
